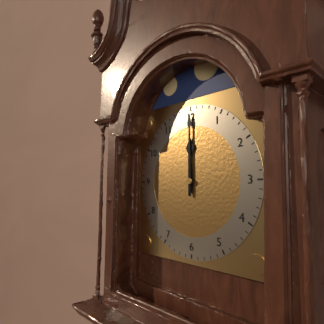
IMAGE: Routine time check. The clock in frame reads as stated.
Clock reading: 12:00
